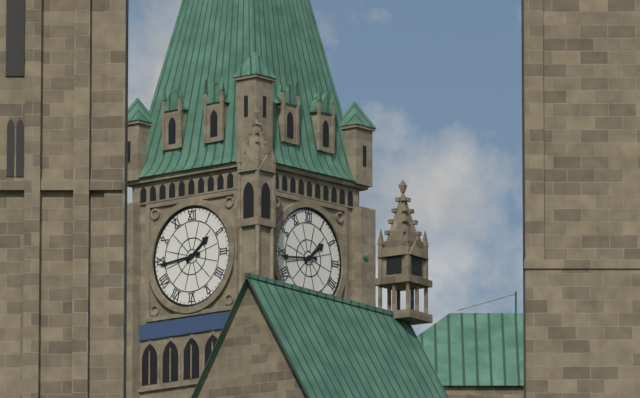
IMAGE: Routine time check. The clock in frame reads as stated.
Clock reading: 1:44
